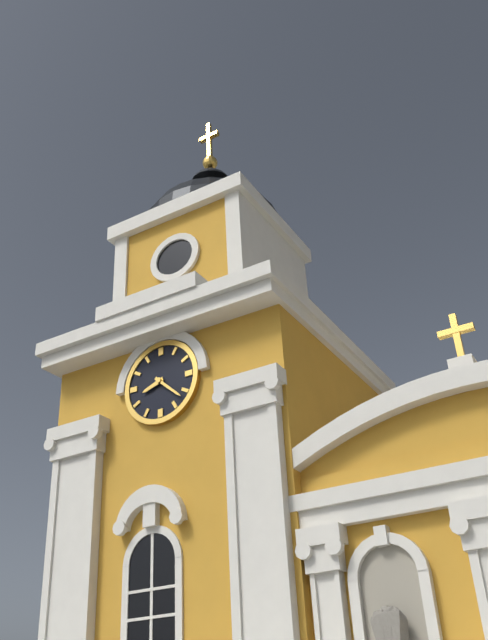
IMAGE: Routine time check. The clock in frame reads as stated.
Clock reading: 8:22
